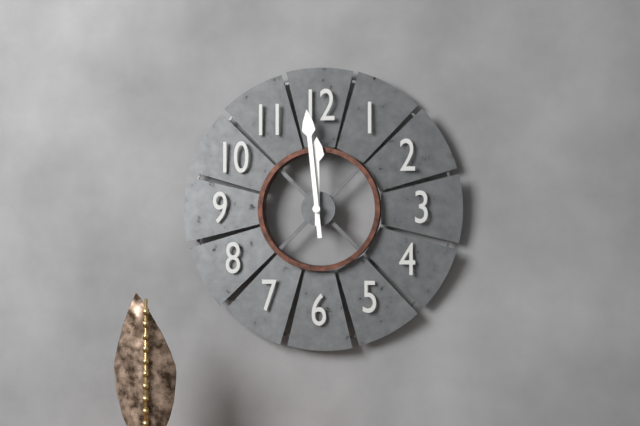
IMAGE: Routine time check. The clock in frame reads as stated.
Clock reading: 11:59
